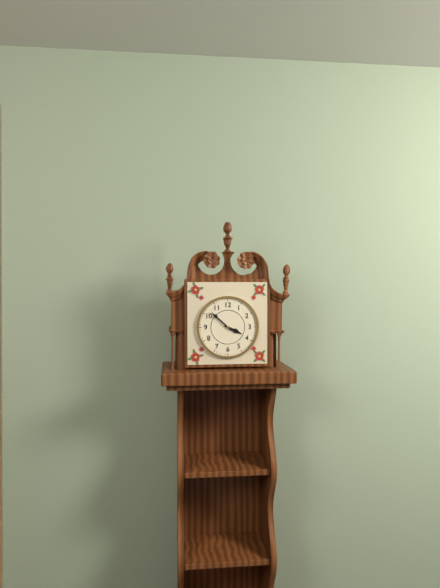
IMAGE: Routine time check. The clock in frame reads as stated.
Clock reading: 3:52
